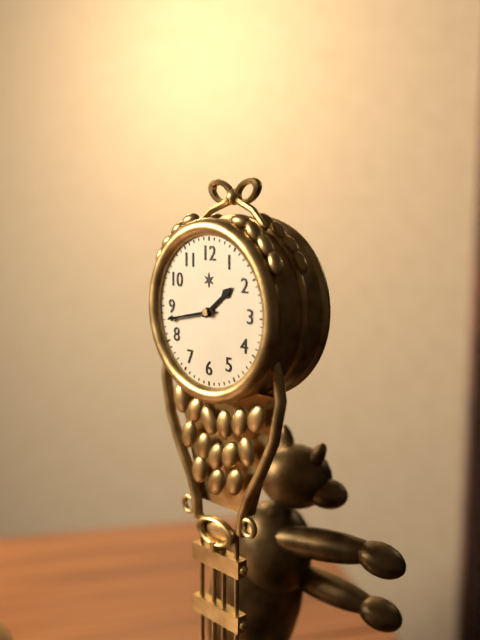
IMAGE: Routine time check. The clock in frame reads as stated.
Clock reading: 1:43
